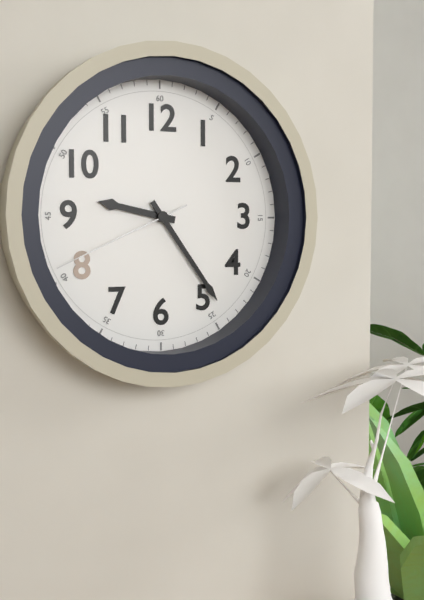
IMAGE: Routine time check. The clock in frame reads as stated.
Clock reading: 9:24:41
